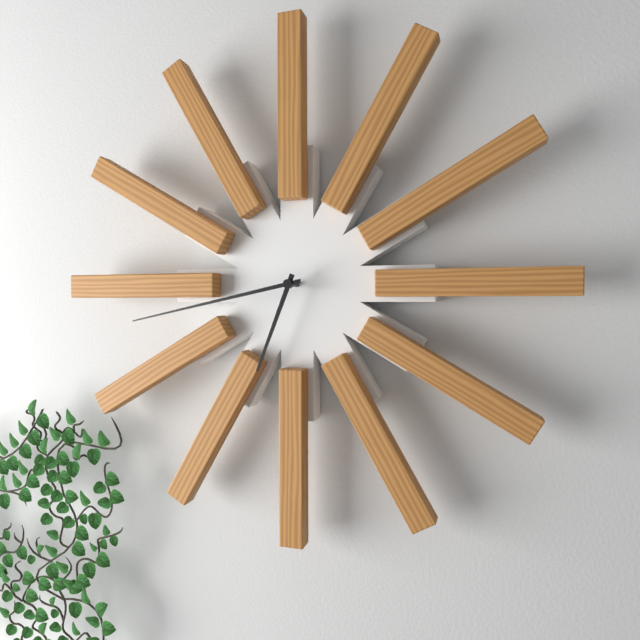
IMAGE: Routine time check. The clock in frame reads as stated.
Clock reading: 6:43
